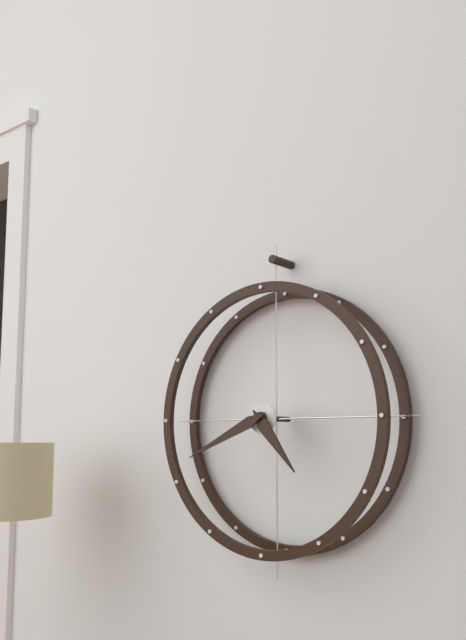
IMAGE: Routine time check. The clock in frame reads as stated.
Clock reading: 4:41
